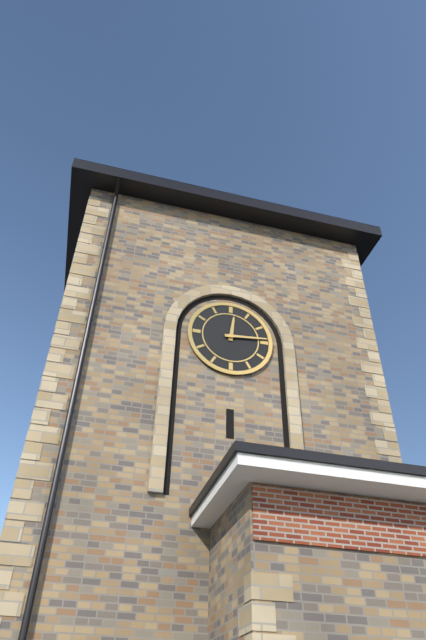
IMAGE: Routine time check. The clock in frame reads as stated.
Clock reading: 12:14
